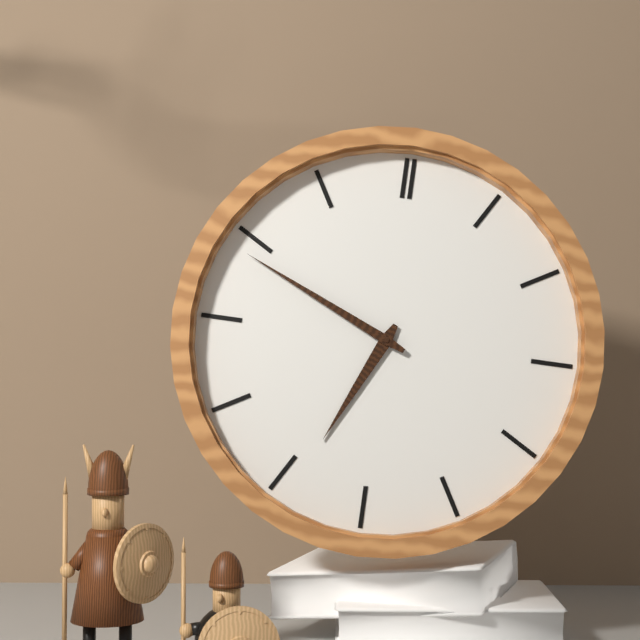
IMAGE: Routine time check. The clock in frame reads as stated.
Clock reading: 6:49
